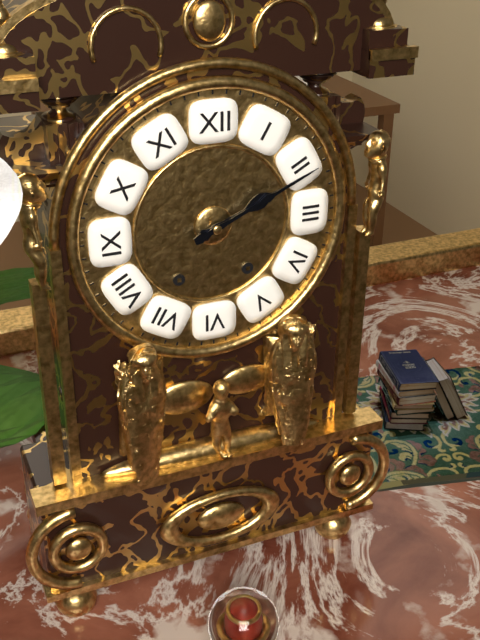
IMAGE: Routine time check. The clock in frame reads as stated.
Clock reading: 2:11
